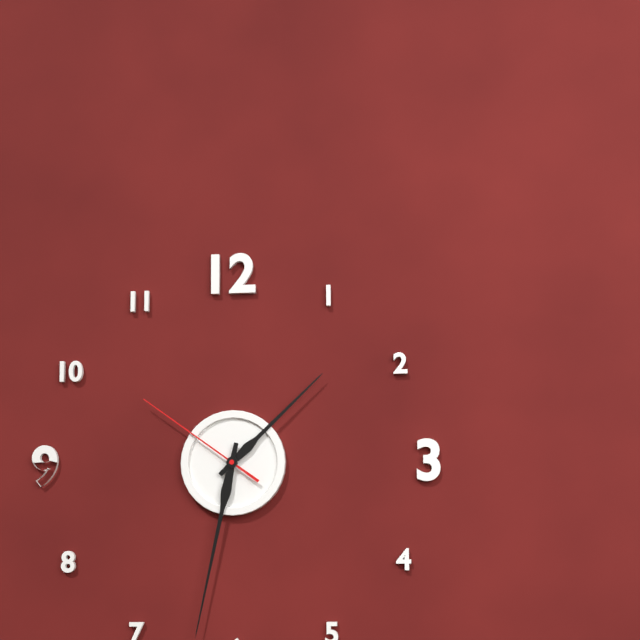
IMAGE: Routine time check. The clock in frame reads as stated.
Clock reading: 1:32:51
